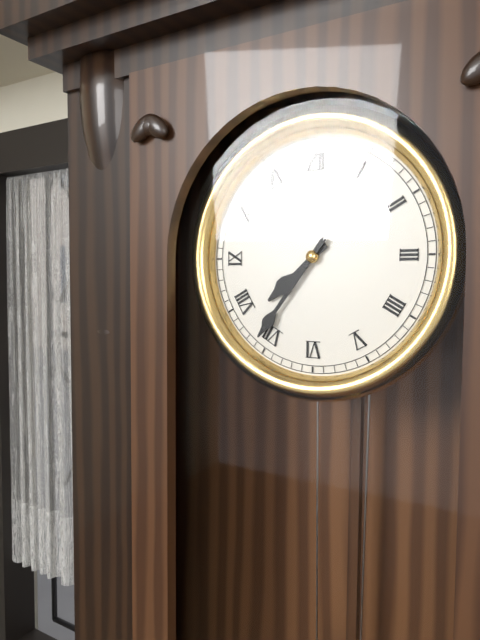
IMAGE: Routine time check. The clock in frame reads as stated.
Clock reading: 7:36
